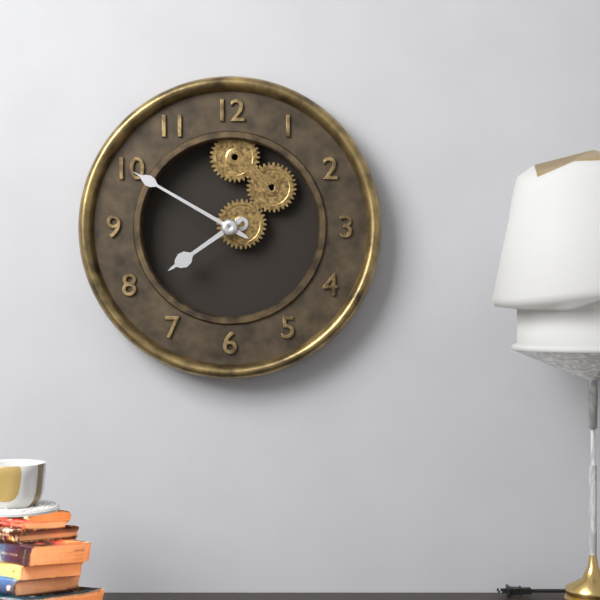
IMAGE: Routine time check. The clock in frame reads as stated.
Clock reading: 7:50
